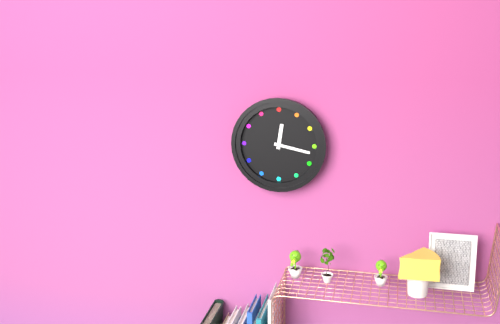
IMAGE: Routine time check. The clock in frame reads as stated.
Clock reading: 12:17
